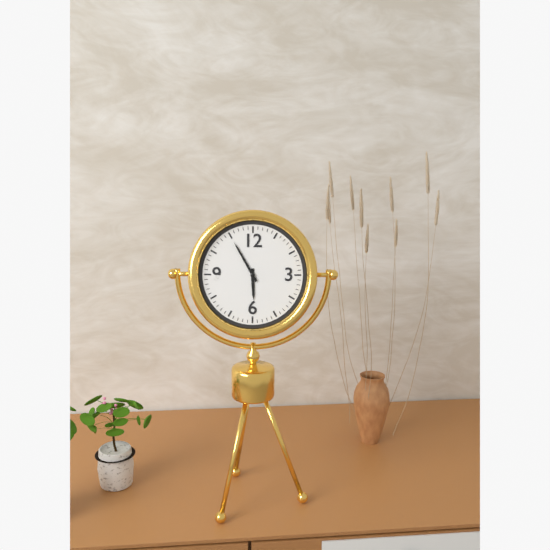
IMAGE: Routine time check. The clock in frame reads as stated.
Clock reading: 5:55
